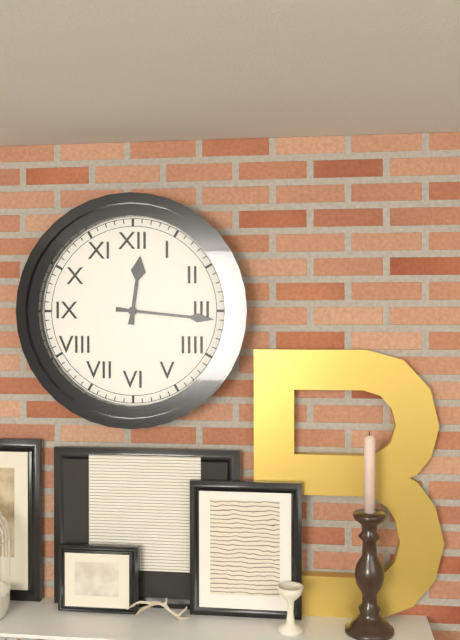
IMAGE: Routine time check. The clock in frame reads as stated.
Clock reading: 12:16
